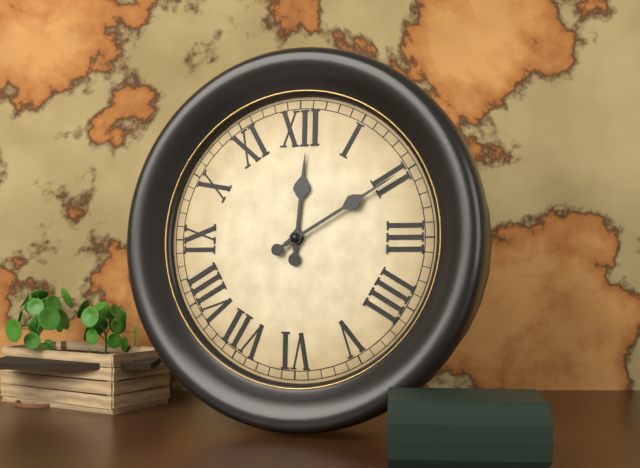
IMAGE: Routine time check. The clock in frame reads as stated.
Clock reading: 12:10
